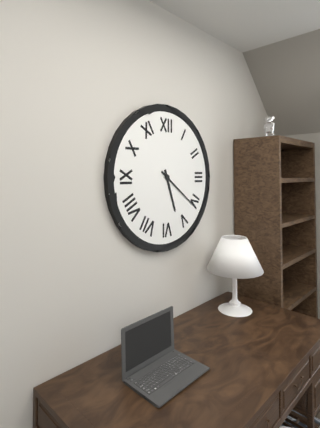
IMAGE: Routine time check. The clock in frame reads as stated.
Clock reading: 5:21
